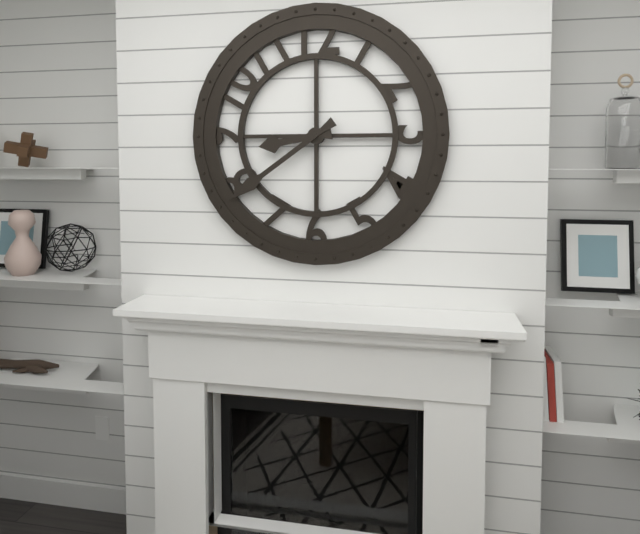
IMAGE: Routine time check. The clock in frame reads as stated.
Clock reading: 8:39
